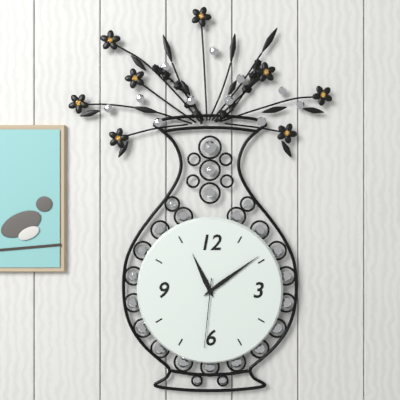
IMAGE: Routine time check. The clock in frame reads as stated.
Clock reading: 11:09:31
